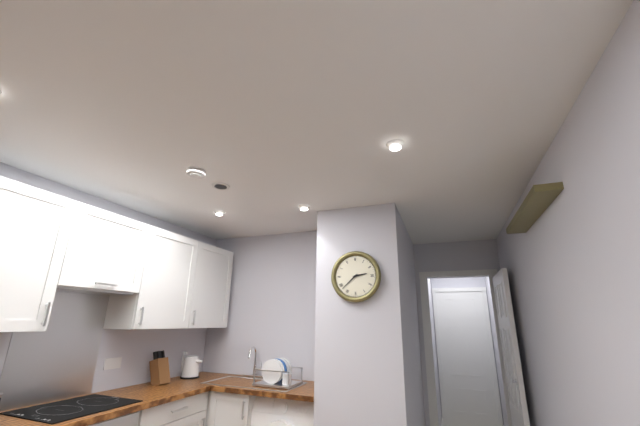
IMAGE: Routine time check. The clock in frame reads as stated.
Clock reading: 2:38
